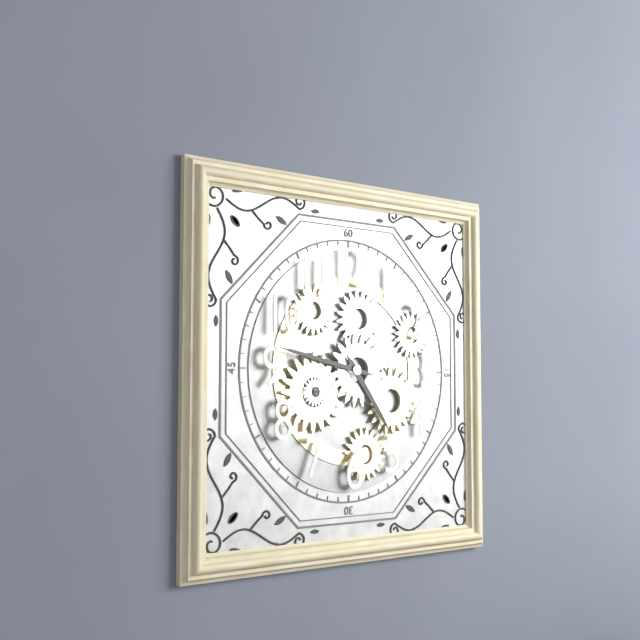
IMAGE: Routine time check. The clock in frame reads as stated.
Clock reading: 4:47
